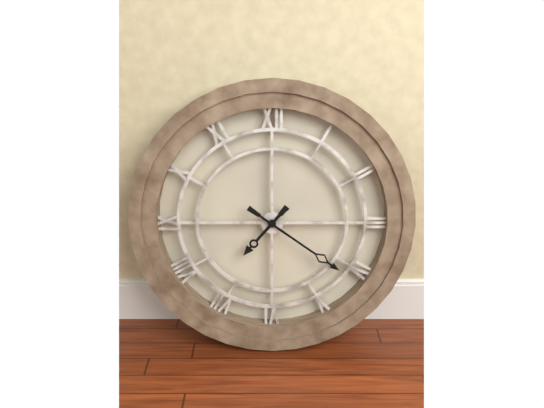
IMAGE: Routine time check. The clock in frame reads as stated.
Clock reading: 7:21
